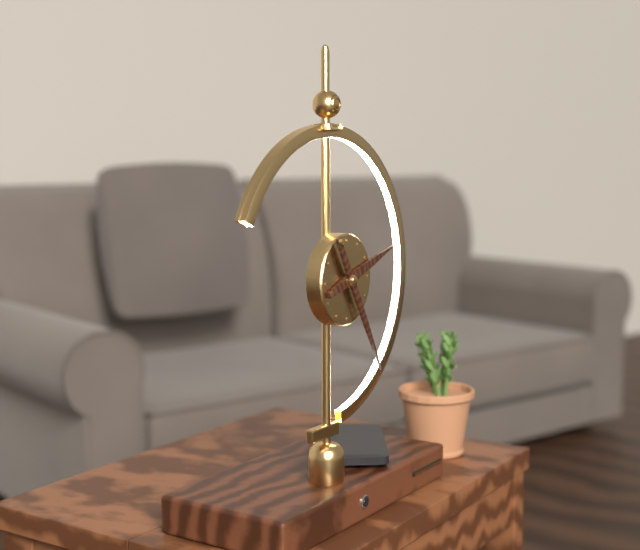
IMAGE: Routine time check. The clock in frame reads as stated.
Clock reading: 2:25
